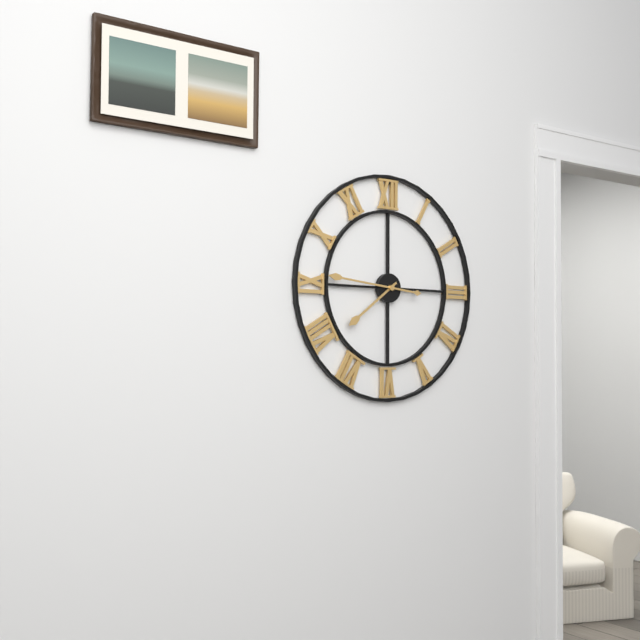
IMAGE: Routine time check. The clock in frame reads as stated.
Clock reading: 7:46
